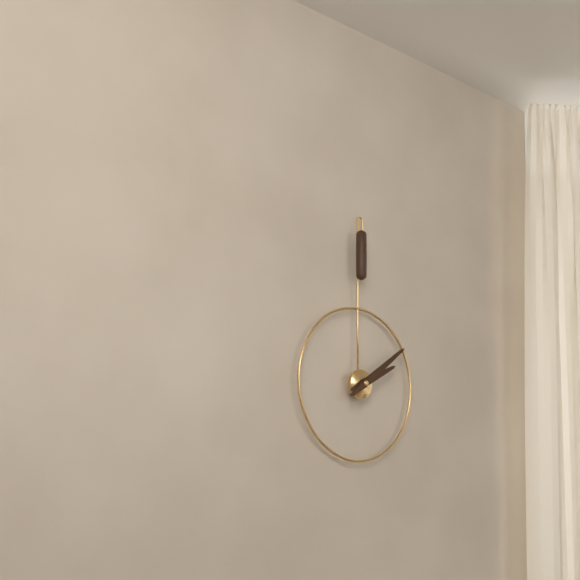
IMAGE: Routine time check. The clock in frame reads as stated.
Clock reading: 2:09
